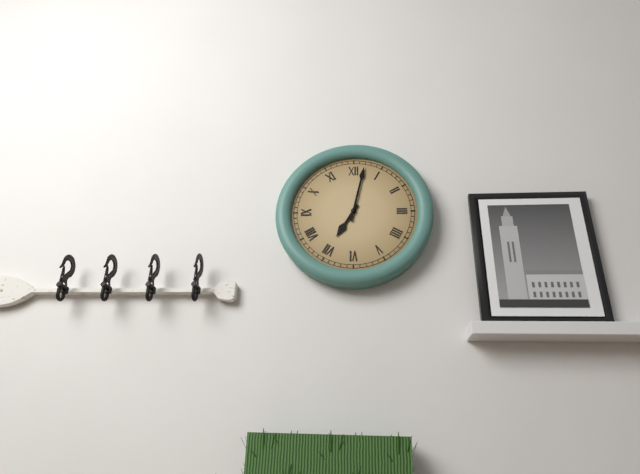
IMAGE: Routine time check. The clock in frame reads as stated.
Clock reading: 7:02
